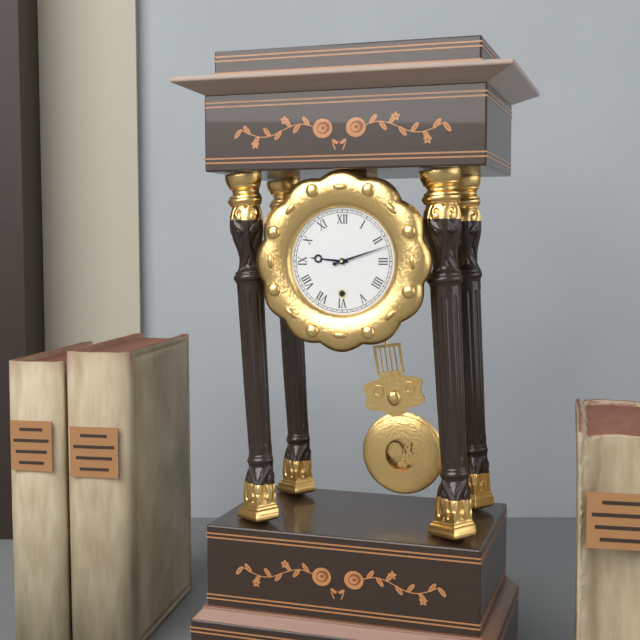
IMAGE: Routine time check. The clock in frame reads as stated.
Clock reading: 9:12
